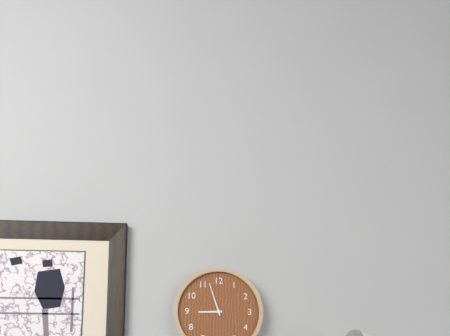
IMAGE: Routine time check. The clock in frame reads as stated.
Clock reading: 8:57
